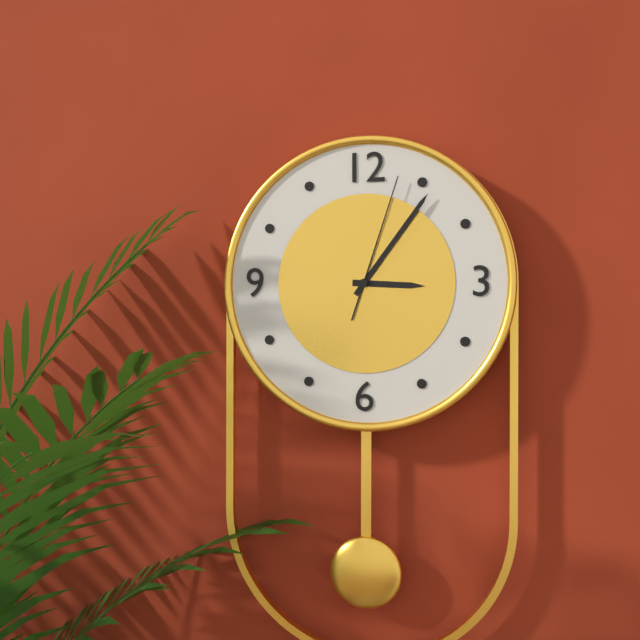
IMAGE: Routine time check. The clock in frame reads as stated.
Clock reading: 3:06:03
